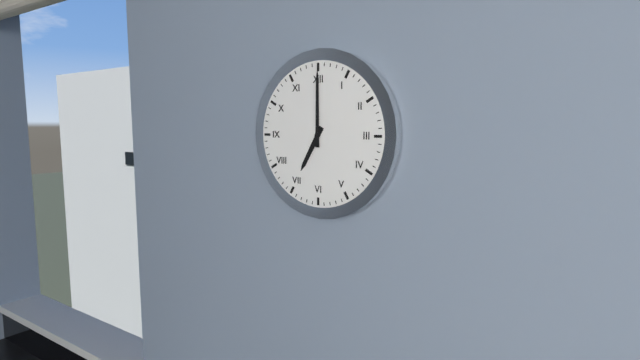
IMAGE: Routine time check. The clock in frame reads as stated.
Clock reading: 7:00
